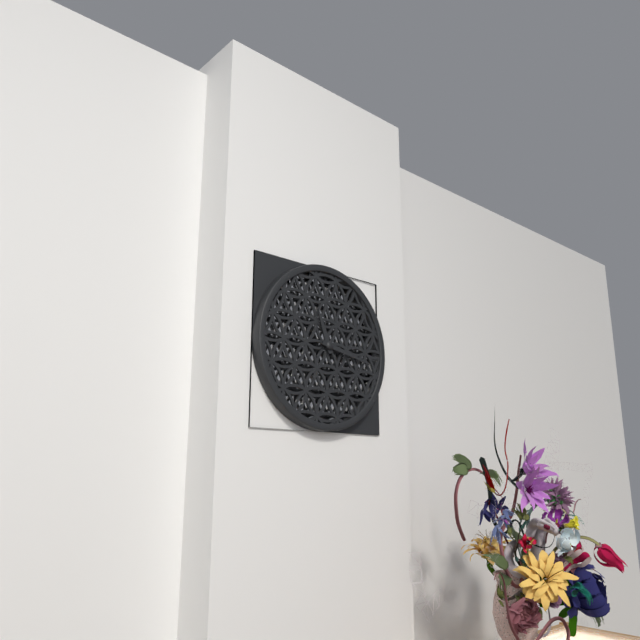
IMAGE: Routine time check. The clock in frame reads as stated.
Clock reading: 11:17
